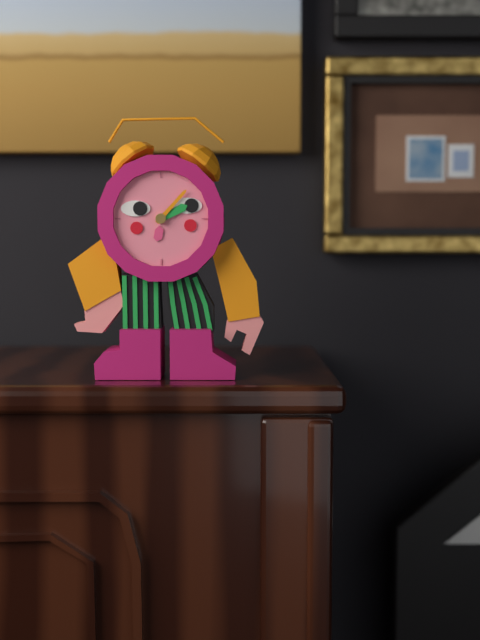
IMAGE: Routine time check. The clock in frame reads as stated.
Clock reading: 2:07
